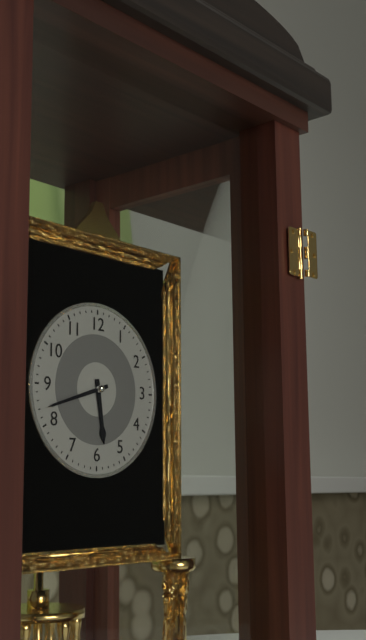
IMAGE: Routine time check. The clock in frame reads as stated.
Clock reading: 5:42
